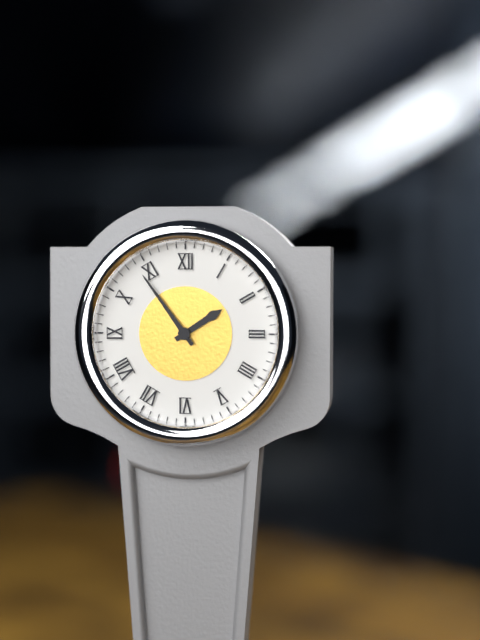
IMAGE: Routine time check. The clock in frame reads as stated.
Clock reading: 1:54
